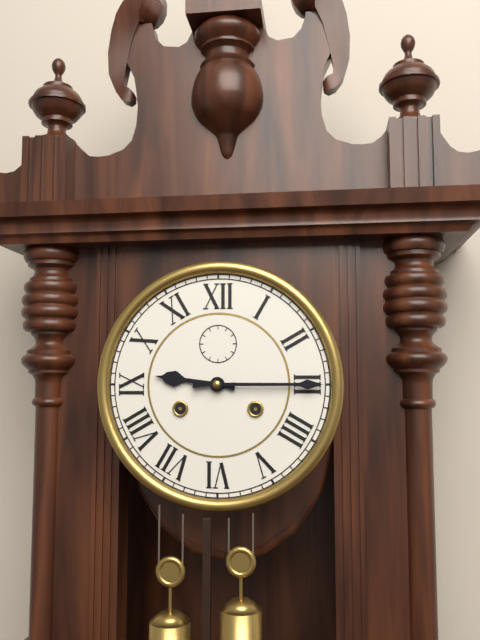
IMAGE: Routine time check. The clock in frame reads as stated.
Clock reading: 9:15
